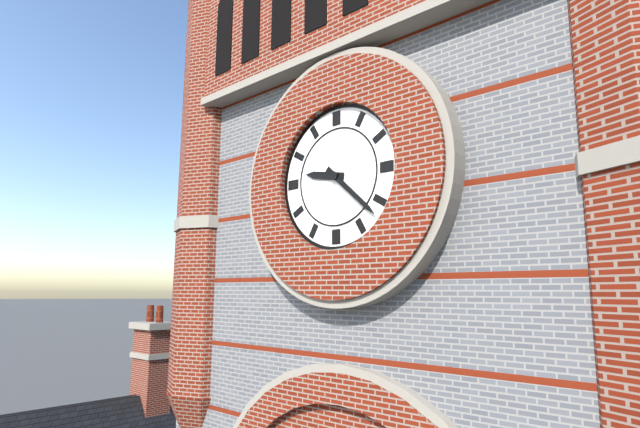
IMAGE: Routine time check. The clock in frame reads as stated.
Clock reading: 9:22
